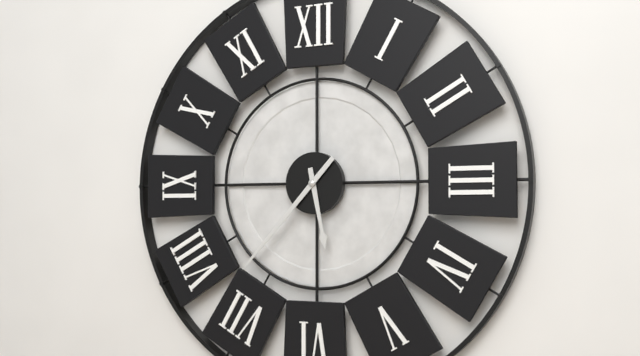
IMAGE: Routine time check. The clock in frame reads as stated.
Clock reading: 5:37
